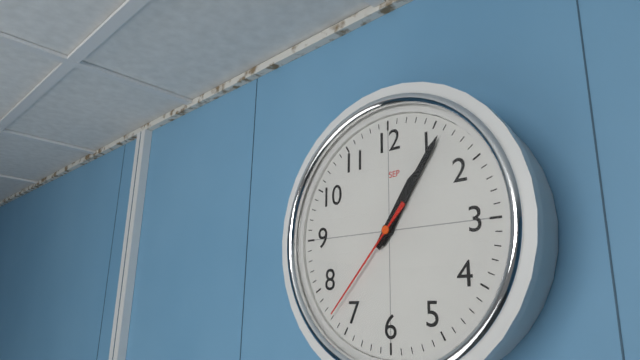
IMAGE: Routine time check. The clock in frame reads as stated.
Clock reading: 1:06:37
